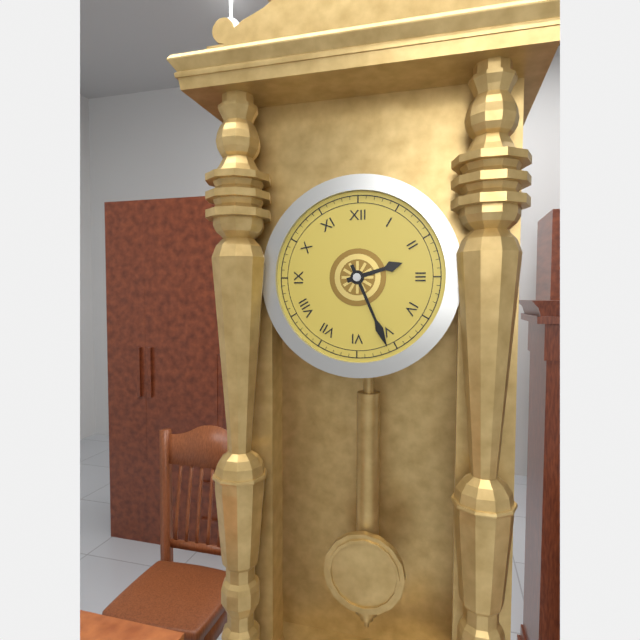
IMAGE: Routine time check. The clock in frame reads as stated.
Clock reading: 2:26
